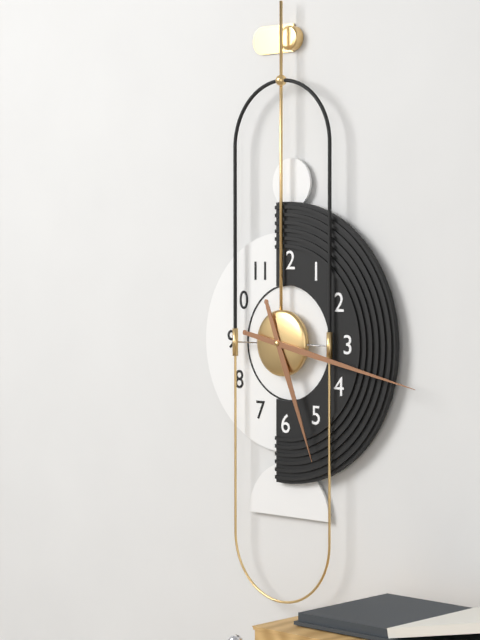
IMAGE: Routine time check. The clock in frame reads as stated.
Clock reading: 5:17
